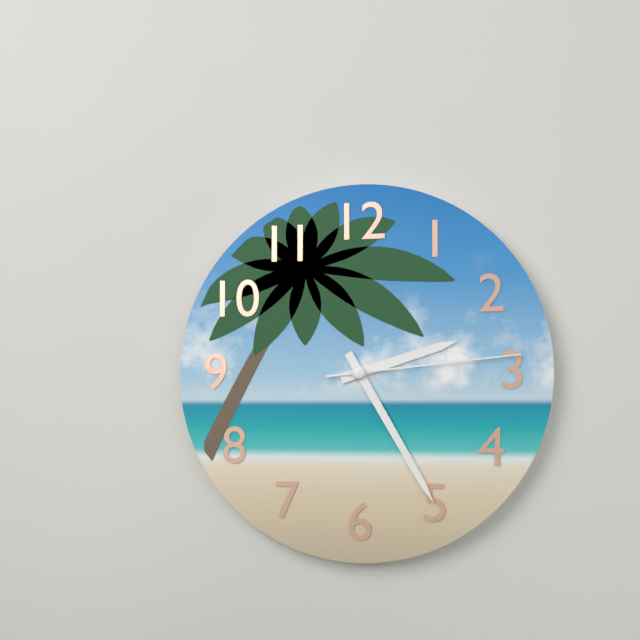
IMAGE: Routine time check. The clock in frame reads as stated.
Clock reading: 2:25:14
